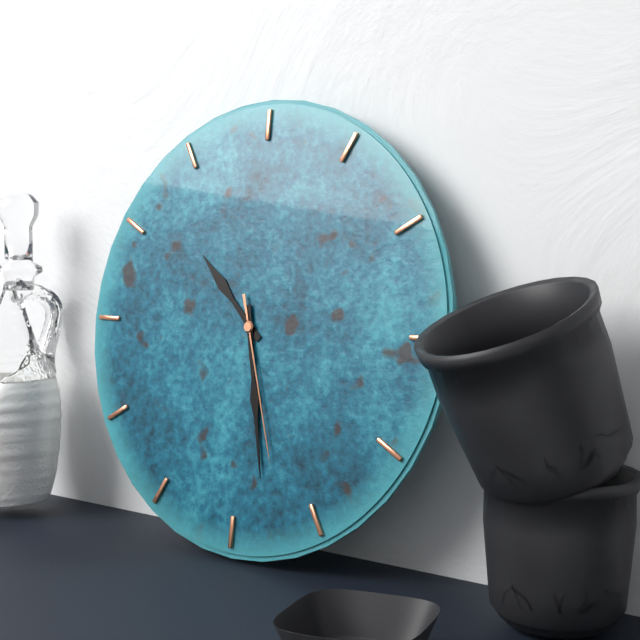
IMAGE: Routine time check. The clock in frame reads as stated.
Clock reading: 10:28:27
